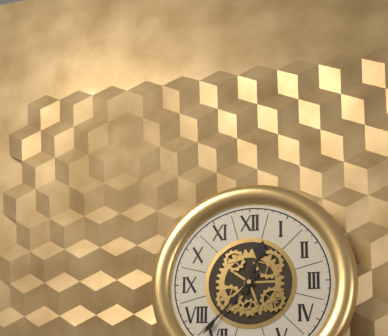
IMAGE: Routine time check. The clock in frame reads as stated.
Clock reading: 12:37
